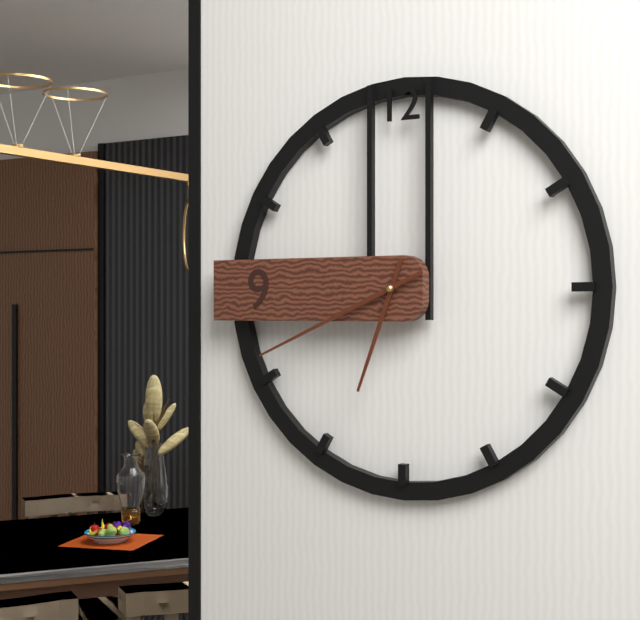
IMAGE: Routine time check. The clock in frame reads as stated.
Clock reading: 6:41
